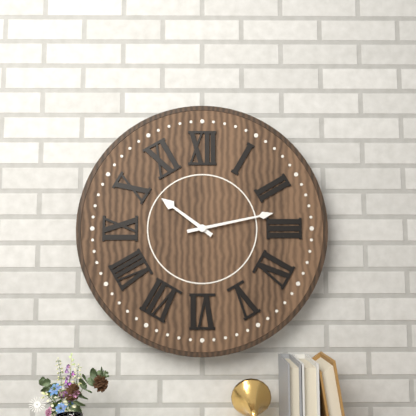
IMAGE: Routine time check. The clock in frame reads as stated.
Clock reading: 10:13
